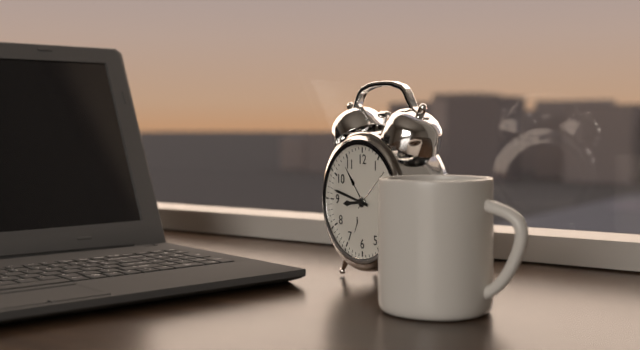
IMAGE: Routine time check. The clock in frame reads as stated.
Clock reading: 8:47
